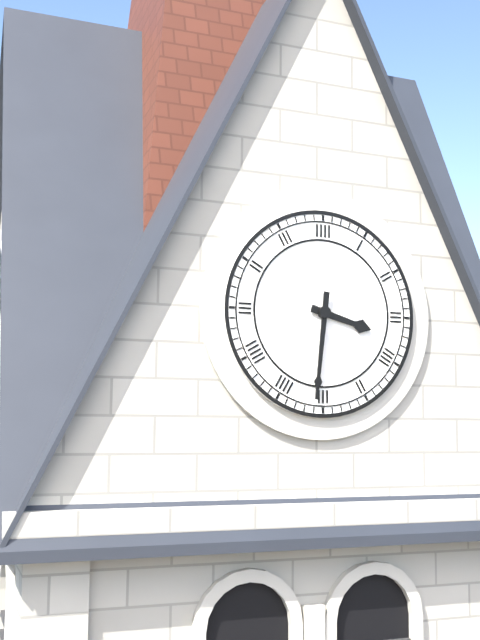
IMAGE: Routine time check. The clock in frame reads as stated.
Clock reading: 3:31
